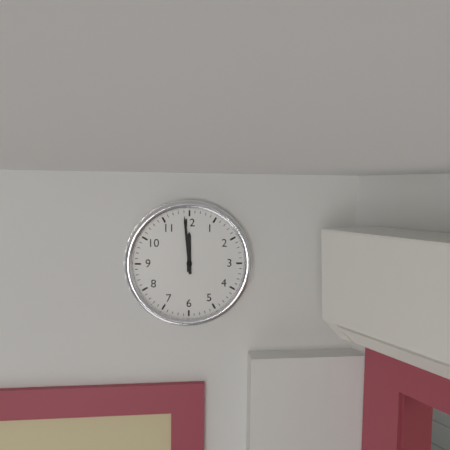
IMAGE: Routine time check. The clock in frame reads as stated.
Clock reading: 11:59
